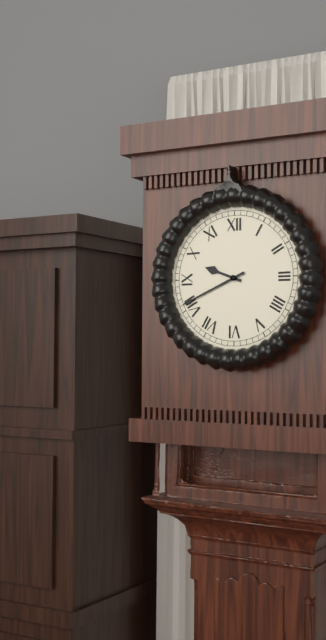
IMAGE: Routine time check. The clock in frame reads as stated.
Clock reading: 9:41
